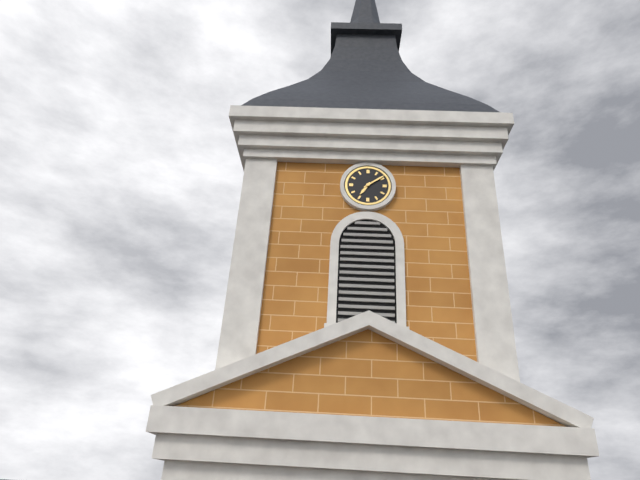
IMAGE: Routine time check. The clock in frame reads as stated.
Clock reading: 7:09
